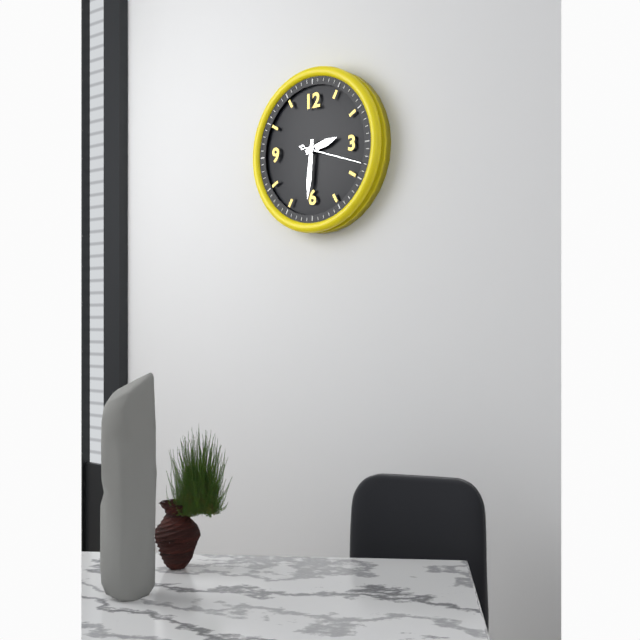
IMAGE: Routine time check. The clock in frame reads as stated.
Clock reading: 2:31:18
